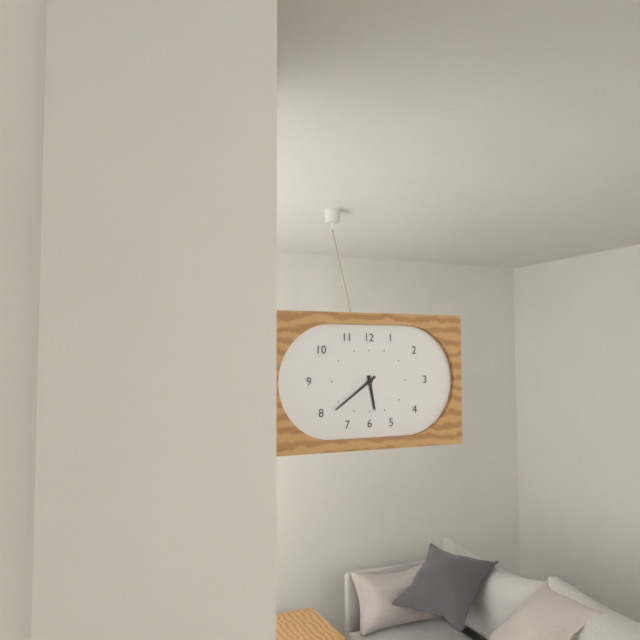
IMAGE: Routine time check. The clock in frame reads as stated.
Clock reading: 5:39
